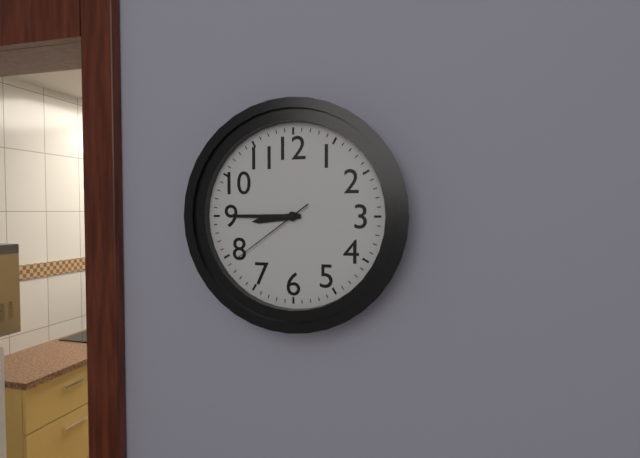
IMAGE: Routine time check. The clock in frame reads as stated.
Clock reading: 8:45:39
